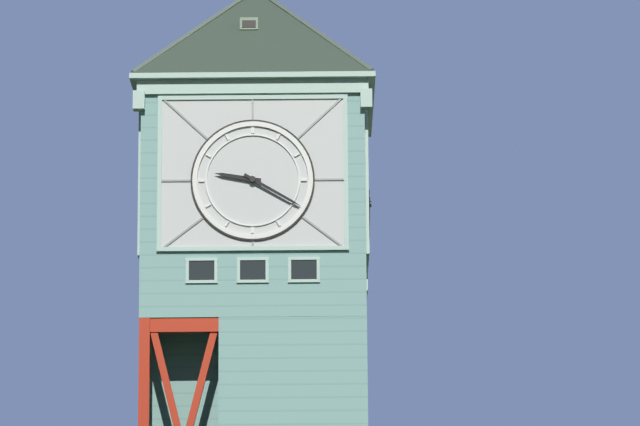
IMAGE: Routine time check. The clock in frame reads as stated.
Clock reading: 9:20
